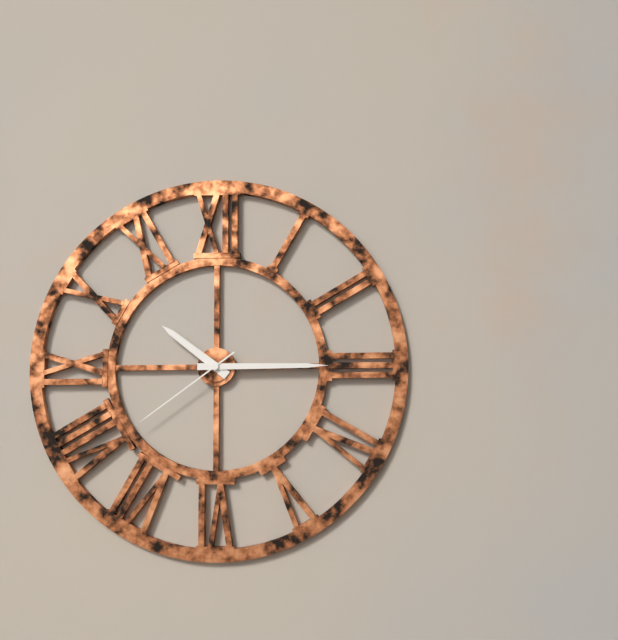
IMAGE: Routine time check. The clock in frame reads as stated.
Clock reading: 10:15:39
